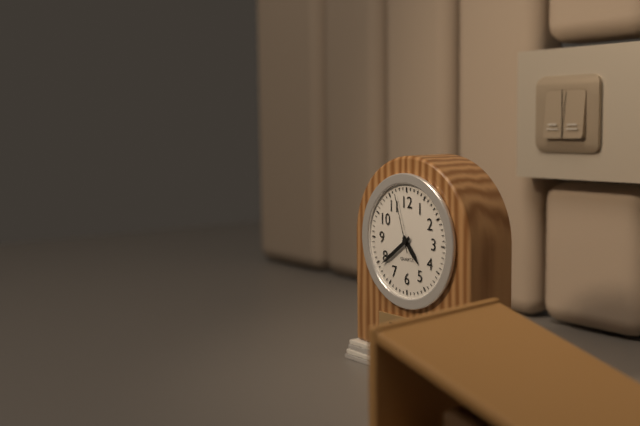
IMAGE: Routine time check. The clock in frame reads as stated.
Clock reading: 4:39:57
